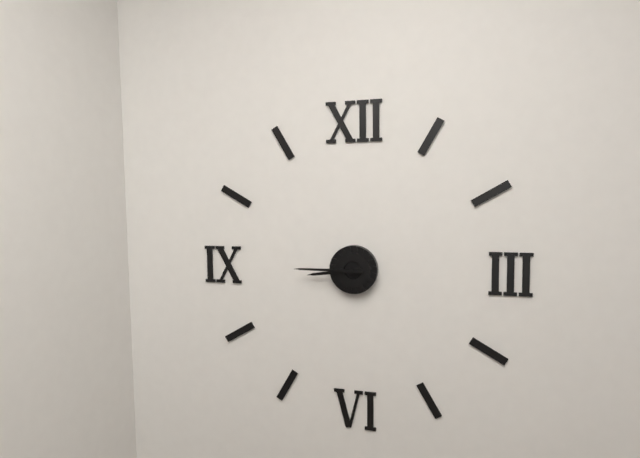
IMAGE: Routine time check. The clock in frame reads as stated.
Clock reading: 8:45
